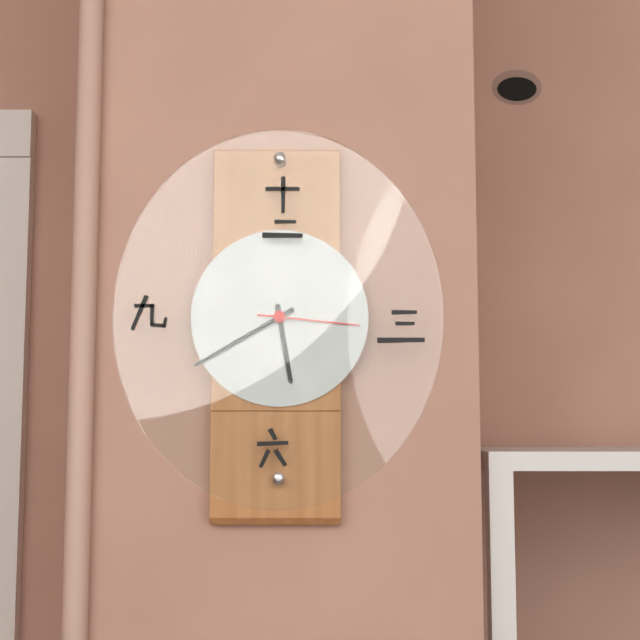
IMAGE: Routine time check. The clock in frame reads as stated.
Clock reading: 5:40:16
